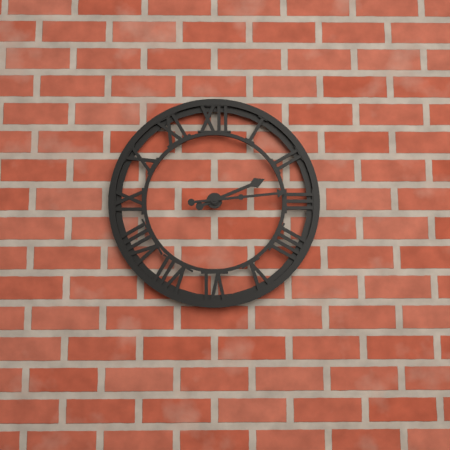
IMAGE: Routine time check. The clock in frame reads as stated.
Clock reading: 2:14
